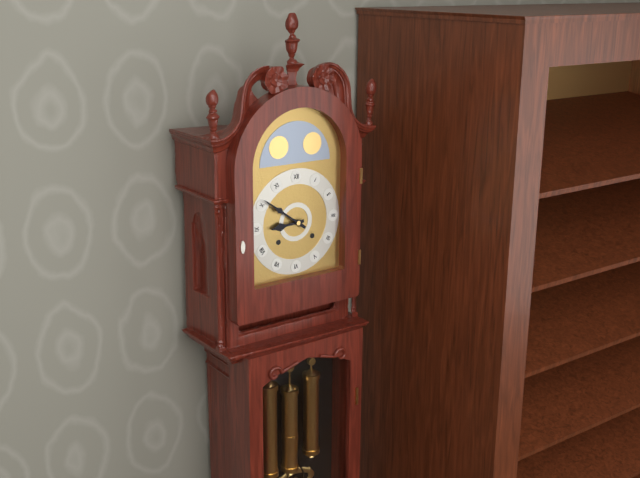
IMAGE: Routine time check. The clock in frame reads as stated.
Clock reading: 8:51
